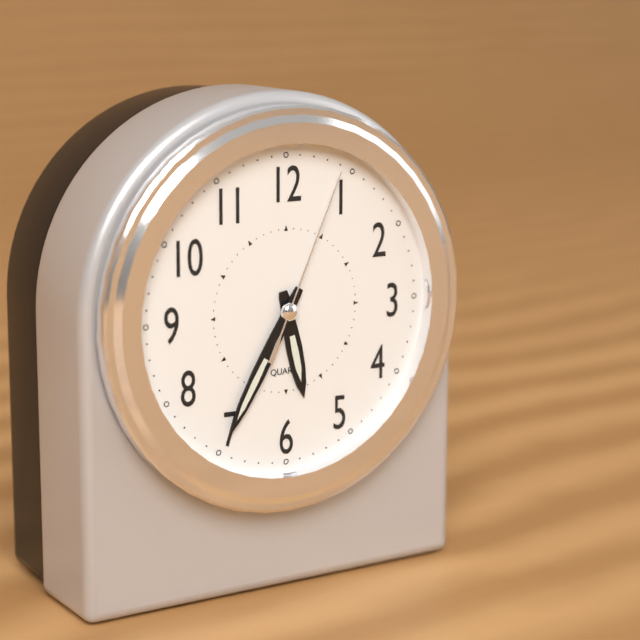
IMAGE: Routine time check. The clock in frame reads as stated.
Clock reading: 5:35:04
